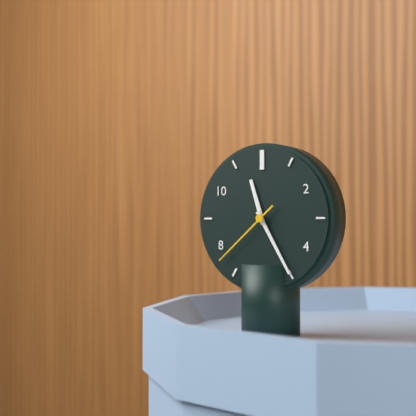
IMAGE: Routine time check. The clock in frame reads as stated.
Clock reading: 11:25:38
